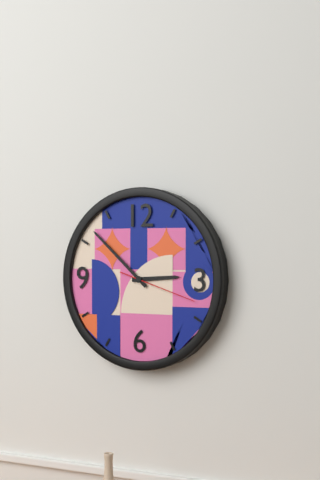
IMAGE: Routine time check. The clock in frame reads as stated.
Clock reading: 2:52:18
